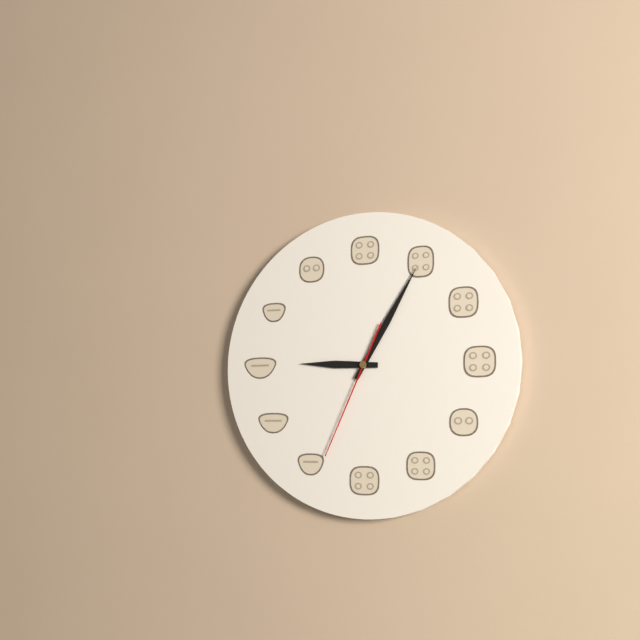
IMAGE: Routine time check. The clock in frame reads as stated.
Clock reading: 9:05:34
